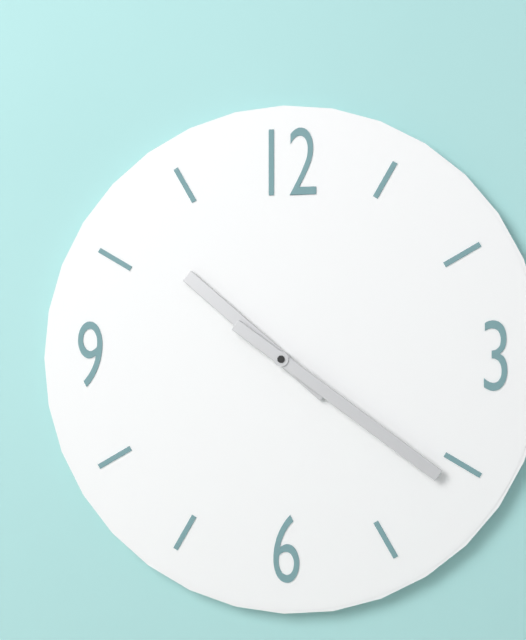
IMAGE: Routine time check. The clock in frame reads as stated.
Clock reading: 10:21
